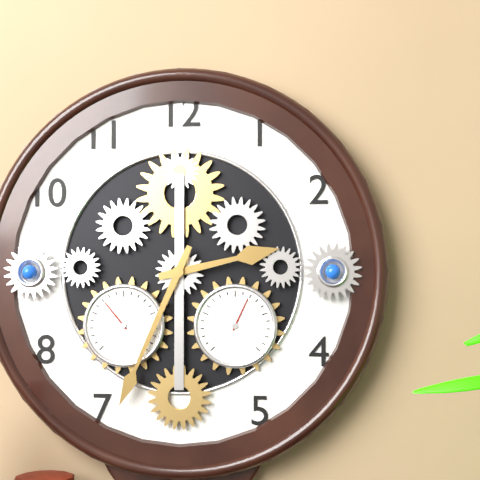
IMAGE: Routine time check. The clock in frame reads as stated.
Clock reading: 2:34
